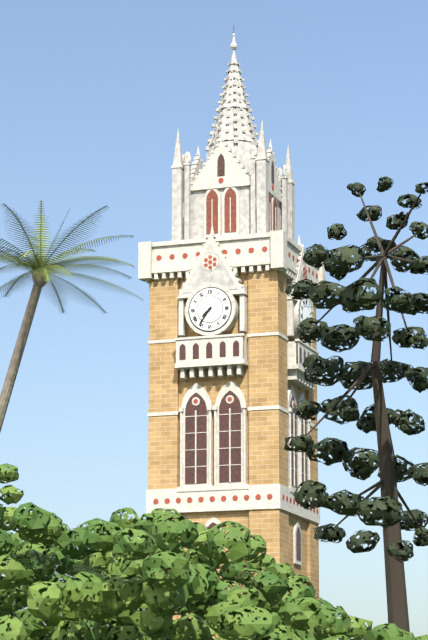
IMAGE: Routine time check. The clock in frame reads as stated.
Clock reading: 7:36
